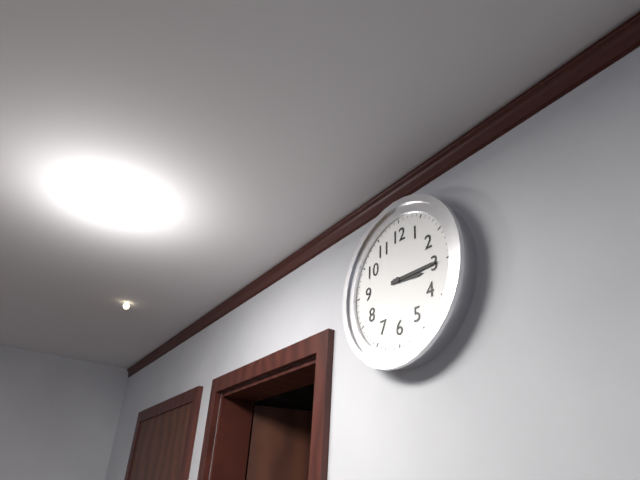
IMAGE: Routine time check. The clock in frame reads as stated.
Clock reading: 3:15
